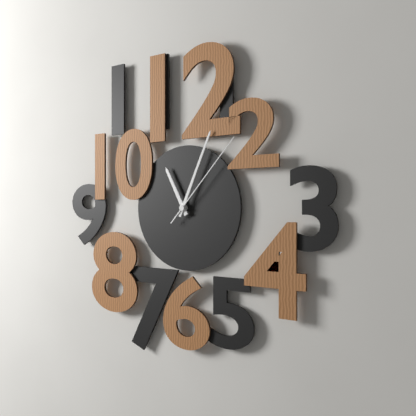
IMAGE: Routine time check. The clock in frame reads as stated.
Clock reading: 11:04:07
